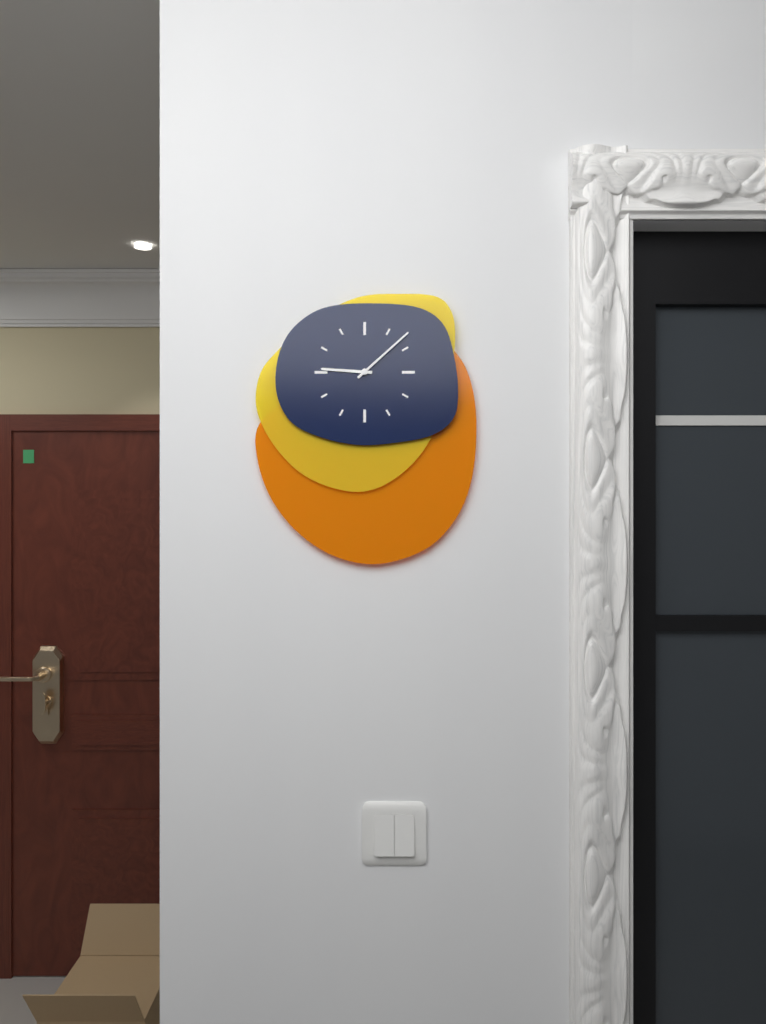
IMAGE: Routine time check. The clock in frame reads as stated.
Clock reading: 9:08
